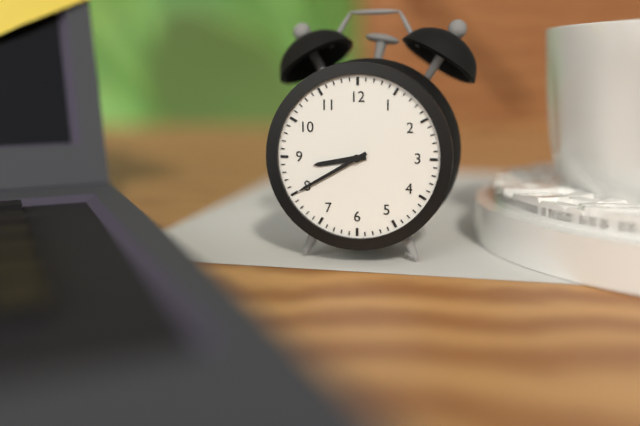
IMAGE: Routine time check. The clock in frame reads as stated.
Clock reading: 8:40
